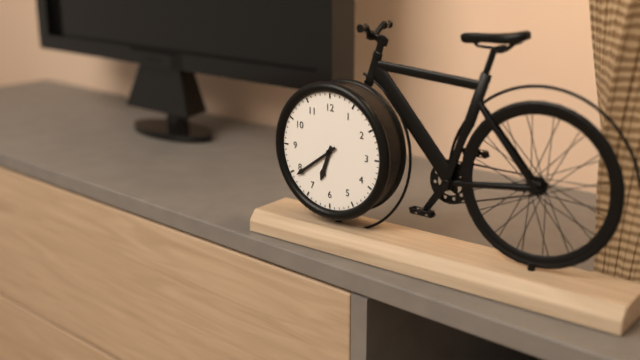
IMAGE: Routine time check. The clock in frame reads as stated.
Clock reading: 6:39
